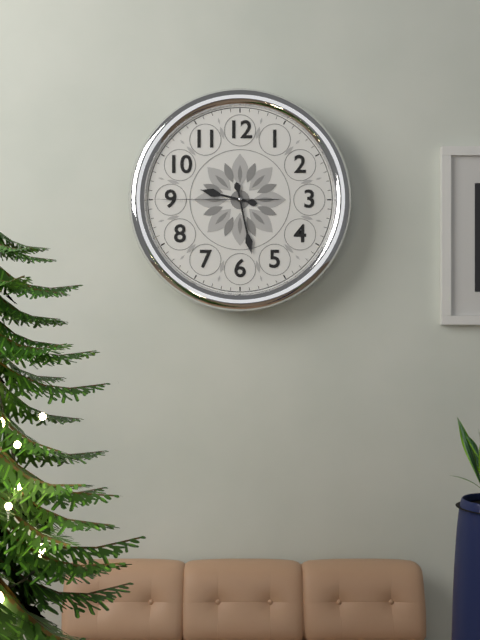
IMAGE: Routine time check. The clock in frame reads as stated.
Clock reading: 9:28:45
